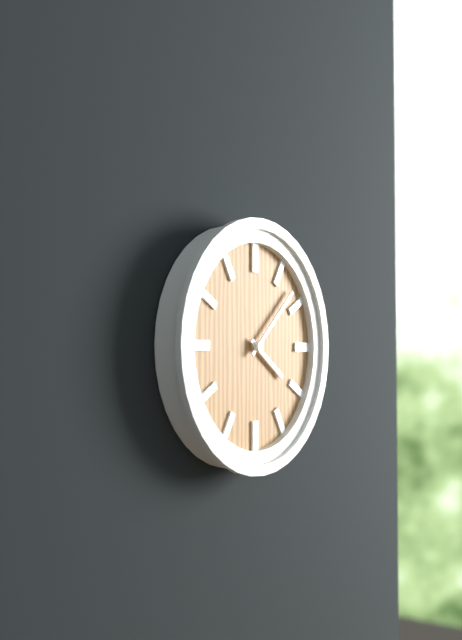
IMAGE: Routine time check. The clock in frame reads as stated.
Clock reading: 4:08
